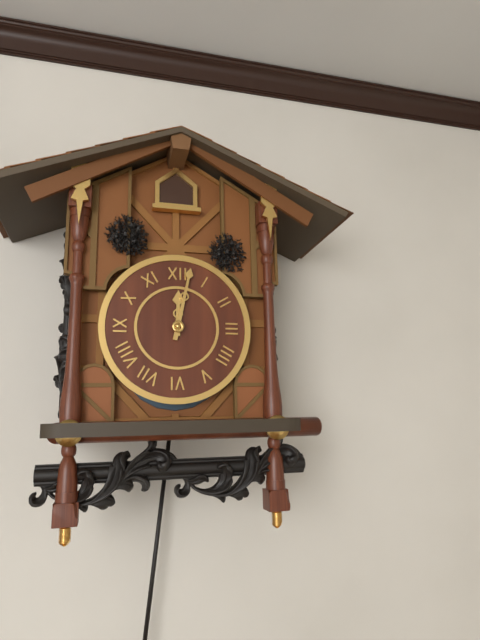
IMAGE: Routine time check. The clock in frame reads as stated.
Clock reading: 12:02
